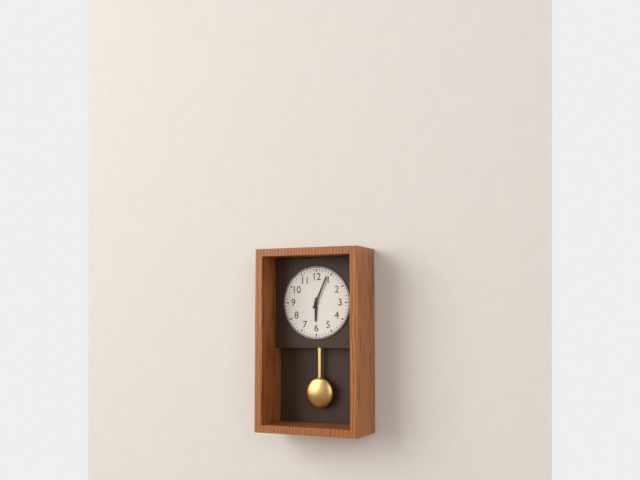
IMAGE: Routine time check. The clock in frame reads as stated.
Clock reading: 6:04
